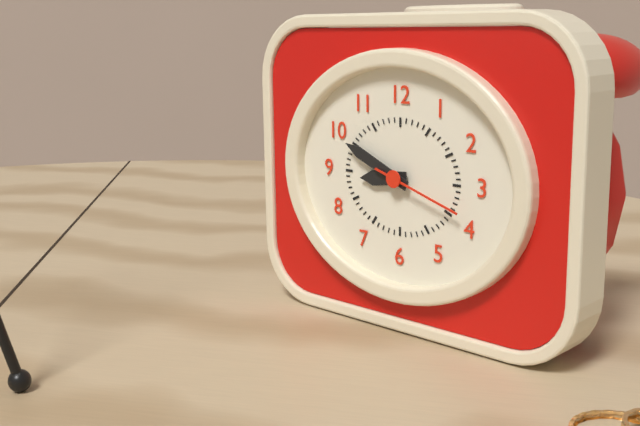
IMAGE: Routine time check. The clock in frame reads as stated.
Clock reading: 8:49:18
